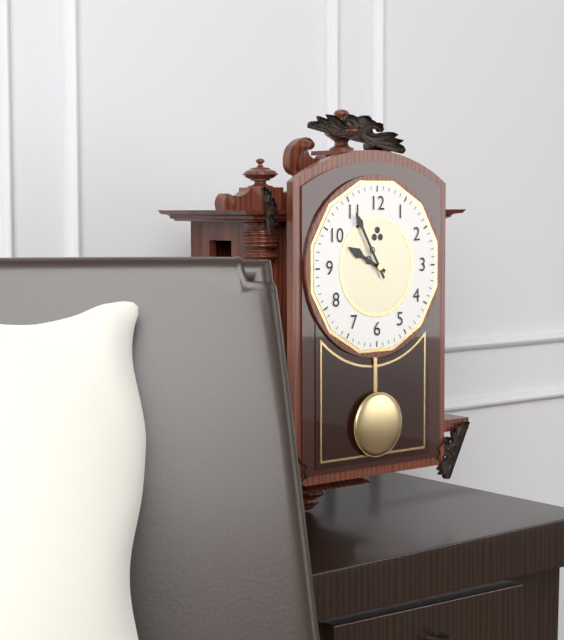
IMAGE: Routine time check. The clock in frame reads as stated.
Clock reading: 9:55
